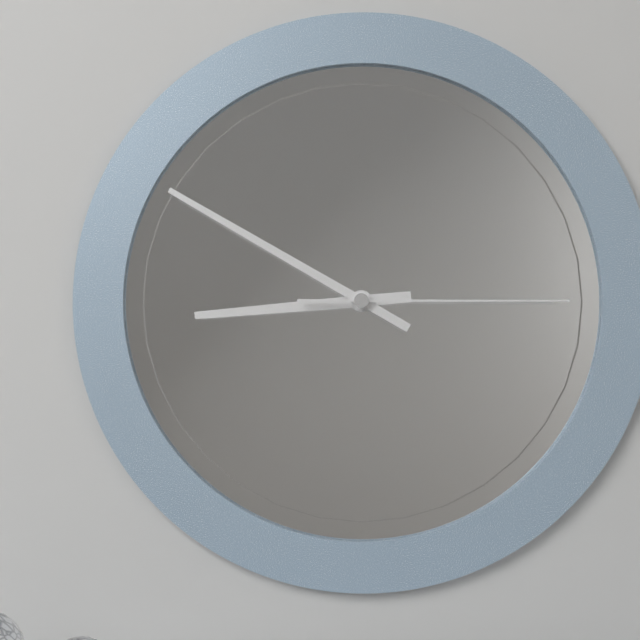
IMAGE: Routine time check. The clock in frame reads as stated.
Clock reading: 8:50:15
